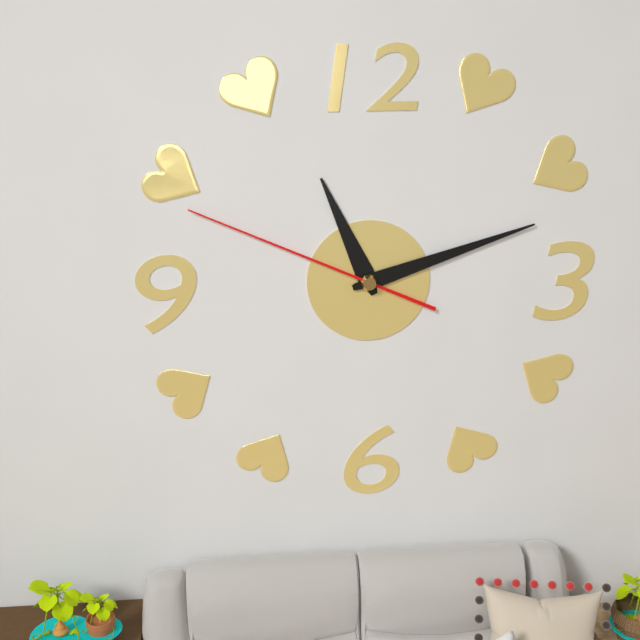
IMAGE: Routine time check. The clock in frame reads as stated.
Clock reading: 11:12:49
